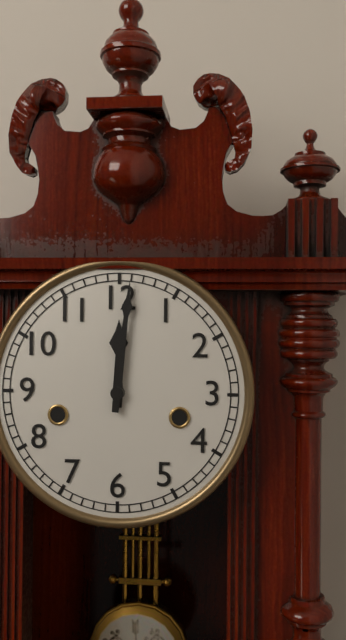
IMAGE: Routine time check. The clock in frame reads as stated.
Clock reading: 12:01
